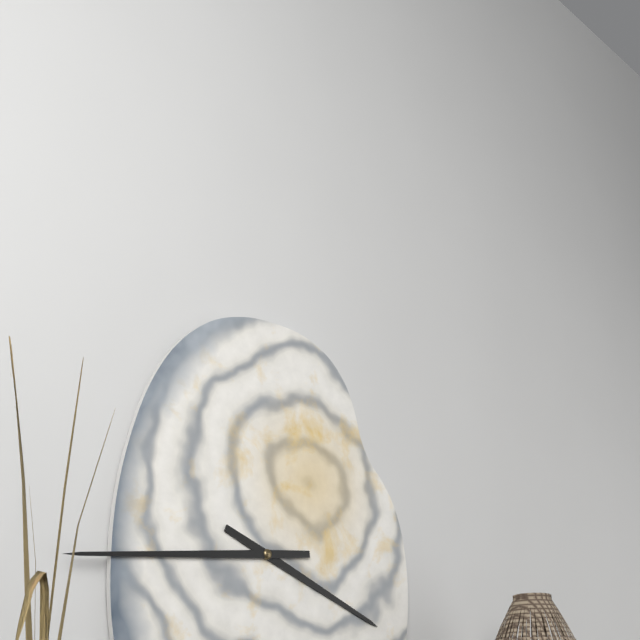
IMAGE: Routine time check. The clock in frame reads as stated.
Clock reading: 3:44
